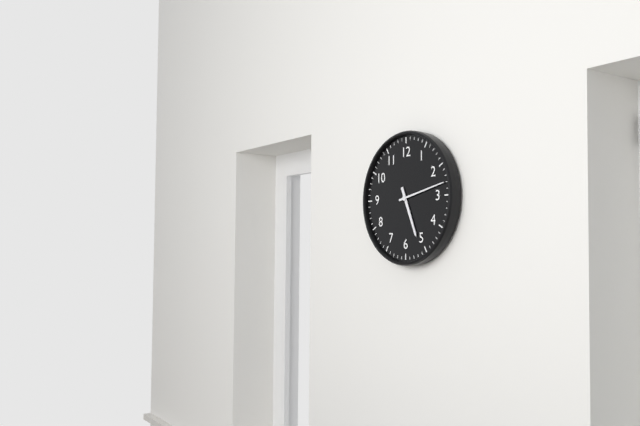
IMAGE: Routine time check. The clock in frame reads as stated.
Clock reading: 5:13
